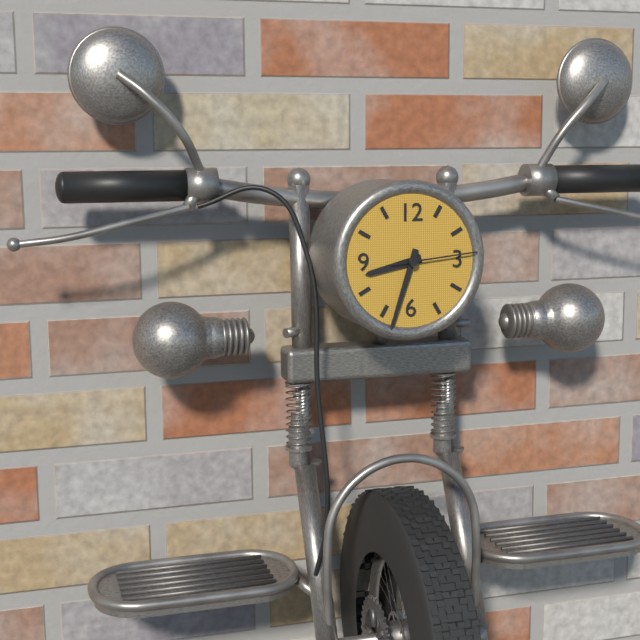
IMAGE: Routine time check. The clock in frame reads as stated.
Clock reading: 8:33:14
